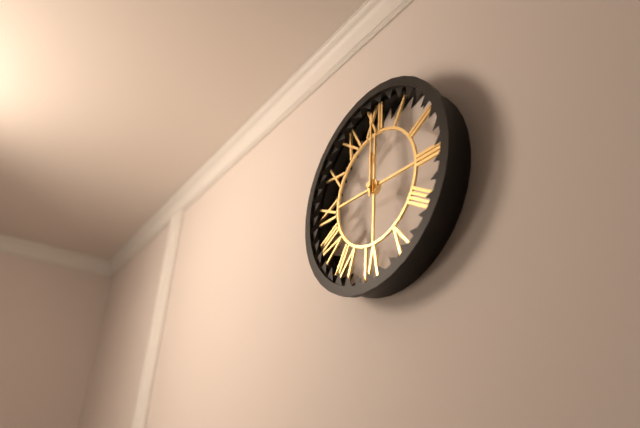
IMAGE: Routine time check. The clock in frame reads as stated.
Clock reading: 12:00
